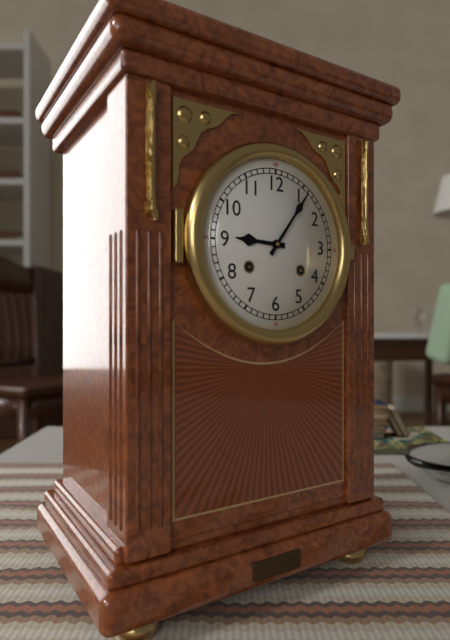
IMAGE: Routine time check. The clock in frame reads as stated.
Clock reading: 9:06
